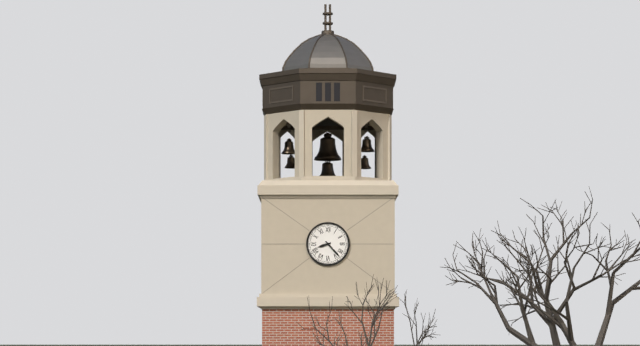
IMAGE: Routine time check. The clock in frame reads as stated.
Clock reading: 8:23
